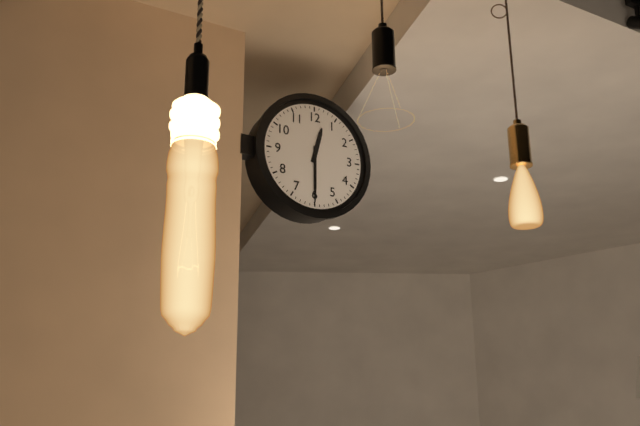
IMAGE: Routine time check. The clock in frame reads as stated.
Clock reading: 12:30
